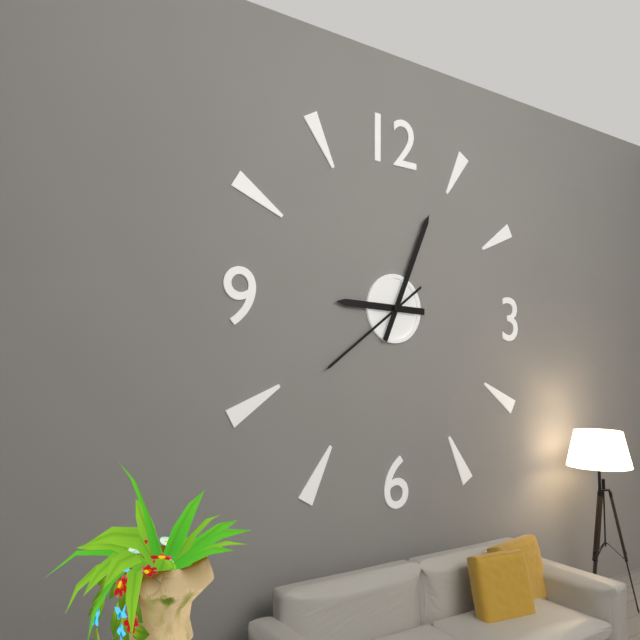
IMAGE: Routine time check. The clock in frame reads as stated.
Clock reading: 9:04:39
